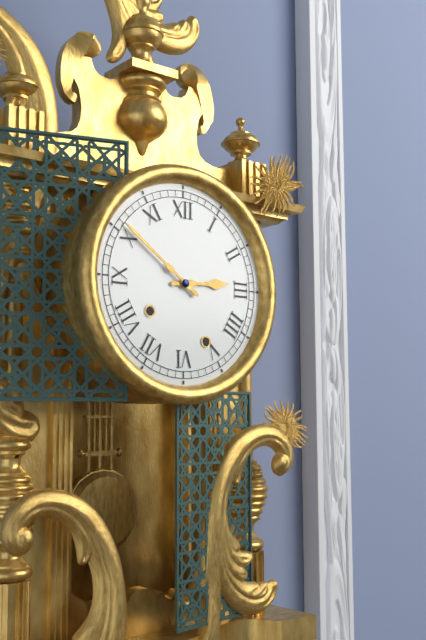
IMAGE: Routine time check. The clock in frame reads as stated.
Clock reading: 2:51
